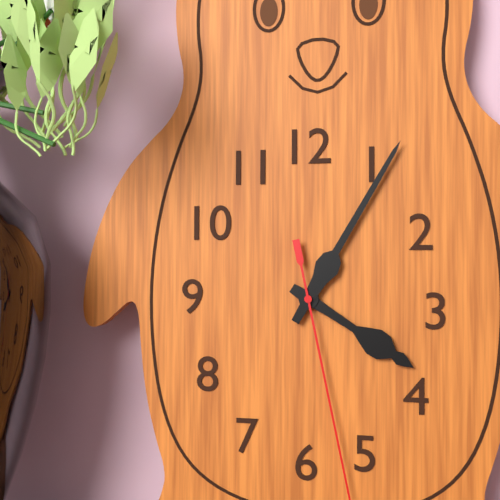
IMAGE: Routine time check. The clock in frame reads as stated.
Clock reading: 4:05
